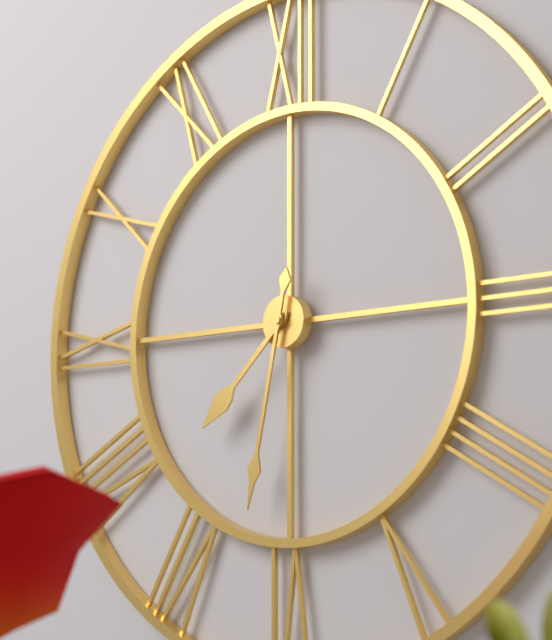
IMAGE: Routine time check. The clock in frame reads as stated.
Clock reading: 7:32
